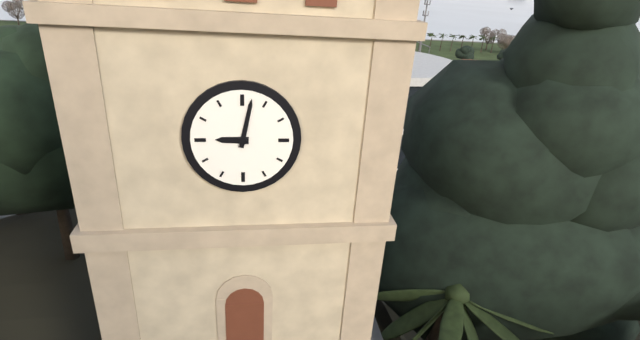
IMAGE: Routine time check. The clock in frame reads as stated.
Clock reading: 9:02
